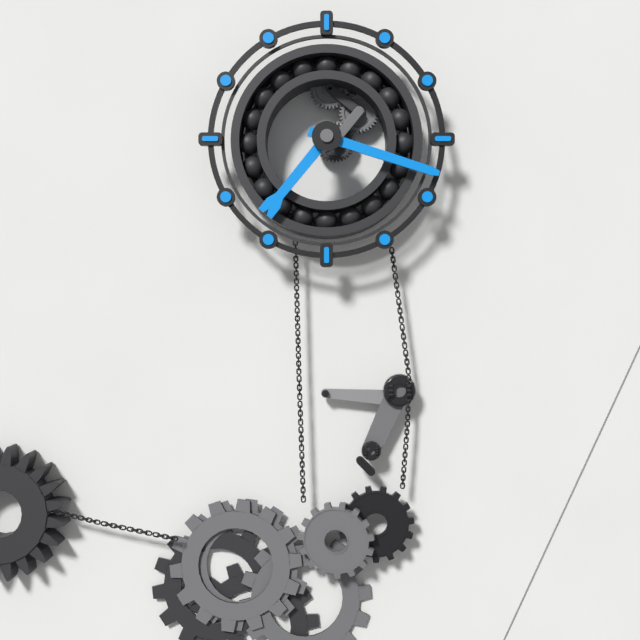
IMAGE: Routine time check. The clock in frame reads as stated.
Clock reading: 7:18
